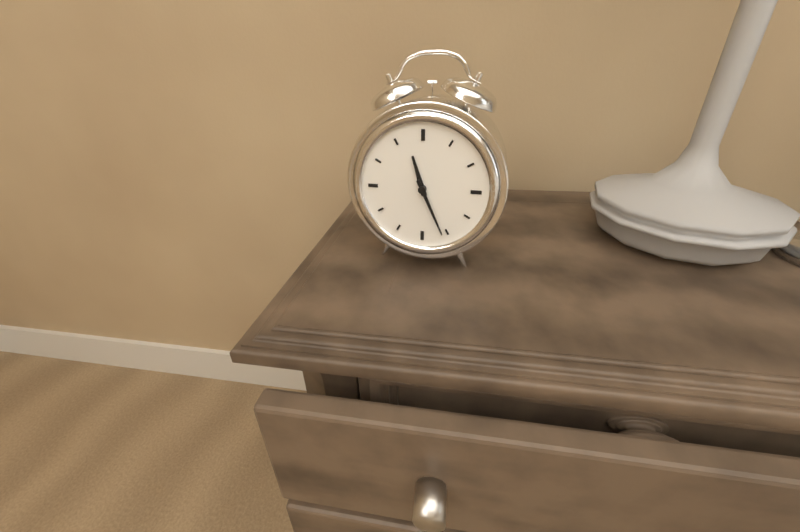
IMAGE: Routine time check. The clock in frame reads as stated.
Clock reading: 11:26
